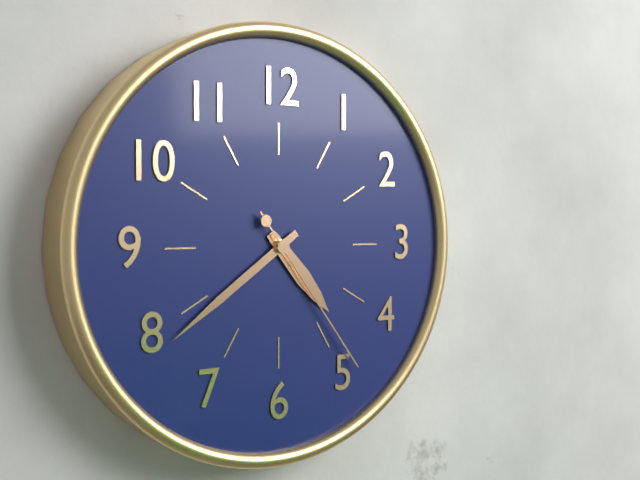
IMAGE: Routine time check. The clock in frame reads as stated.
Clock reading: 4:39:24
